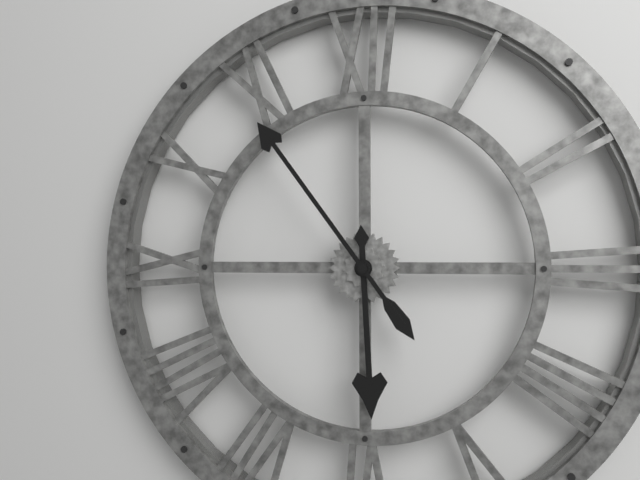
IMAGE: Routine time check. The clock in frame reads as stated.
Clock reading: 5:54
